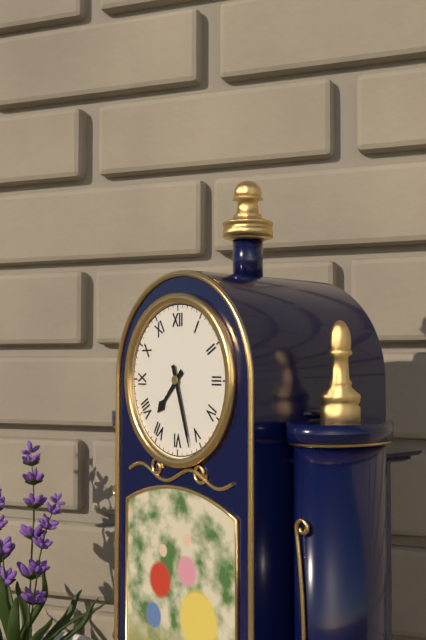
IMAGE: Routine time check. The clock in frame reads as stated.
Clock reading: 7:27
